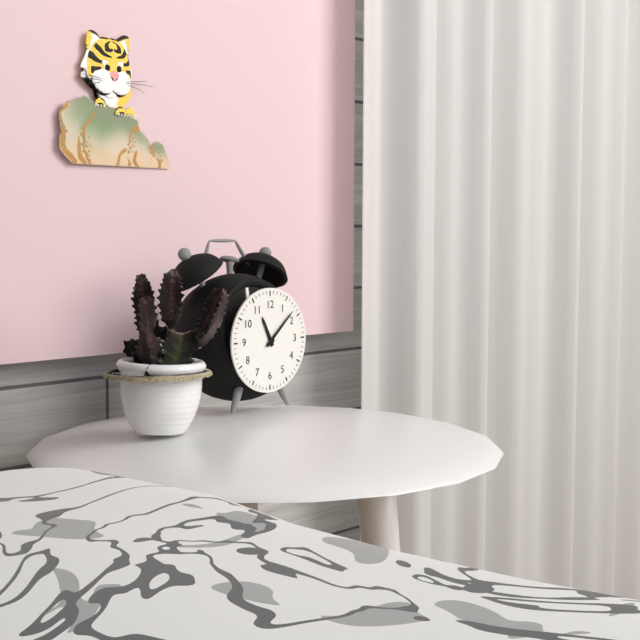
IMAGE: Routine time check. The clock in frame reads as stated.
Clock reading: 11:08
